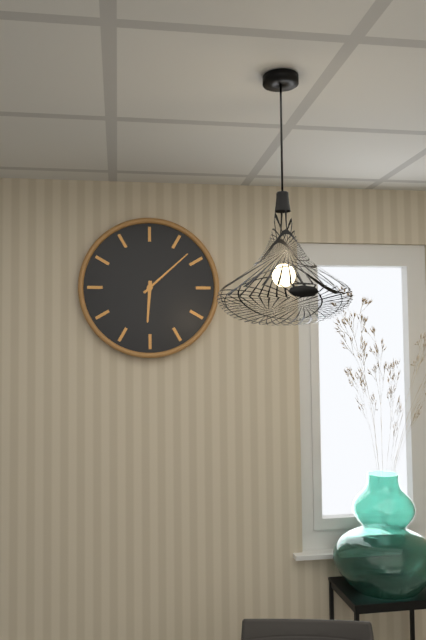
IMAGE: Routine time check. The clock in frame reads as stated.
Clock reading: 6:08
